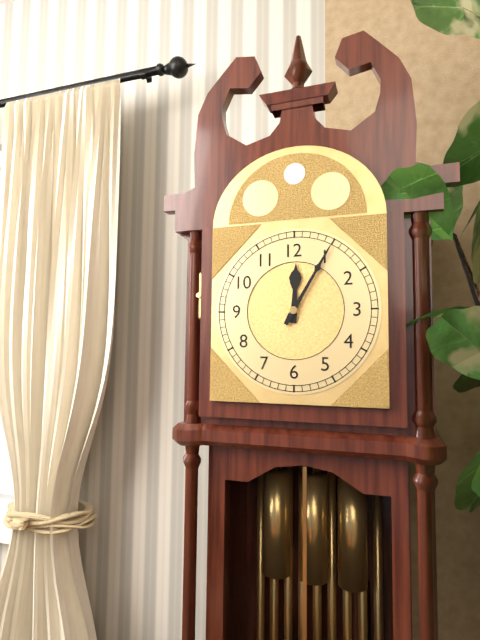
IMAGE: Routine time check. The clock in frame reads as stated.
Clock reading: 12:05
